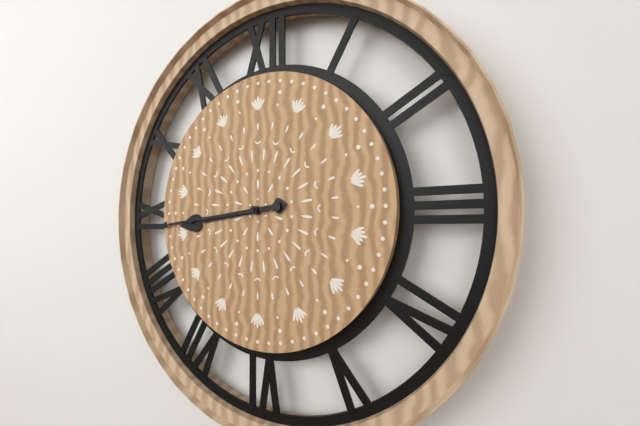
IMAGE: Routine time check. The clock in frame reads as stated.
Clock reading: 8:44
